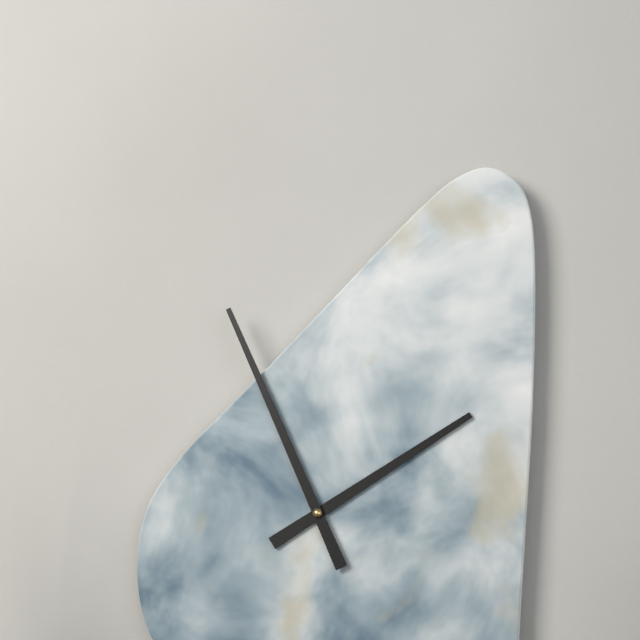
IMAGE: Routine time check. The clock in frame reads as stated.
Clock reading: 1:56
